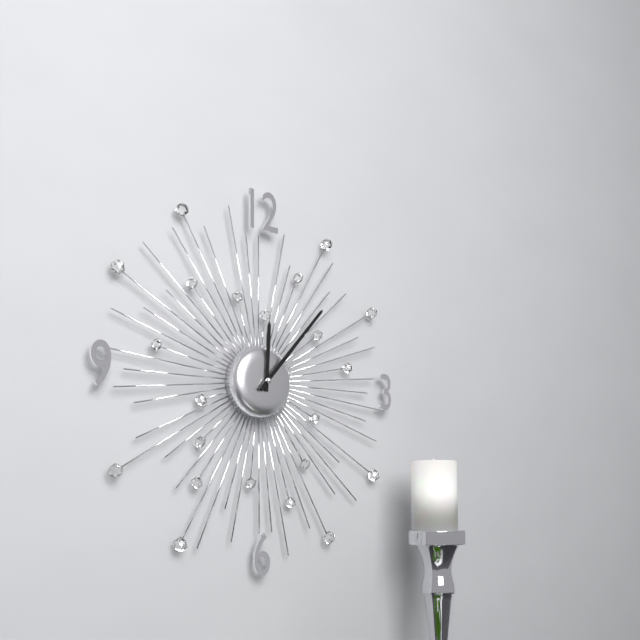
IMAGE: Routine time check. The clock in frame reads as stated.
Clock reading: 12:07
